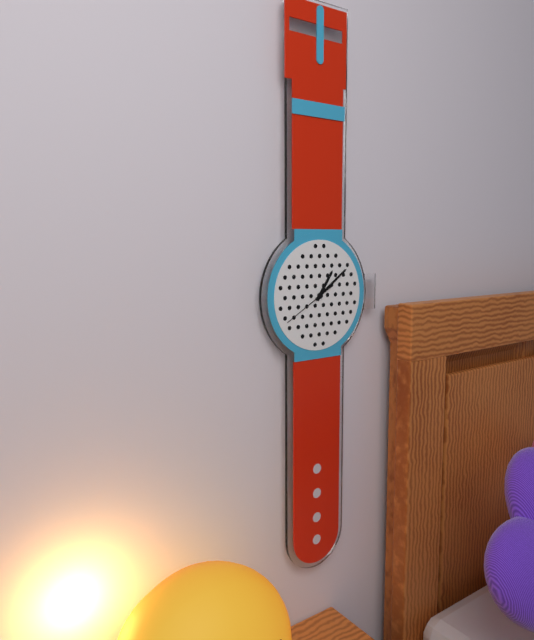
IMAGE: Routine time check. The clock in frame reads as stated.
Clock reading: 1:09
